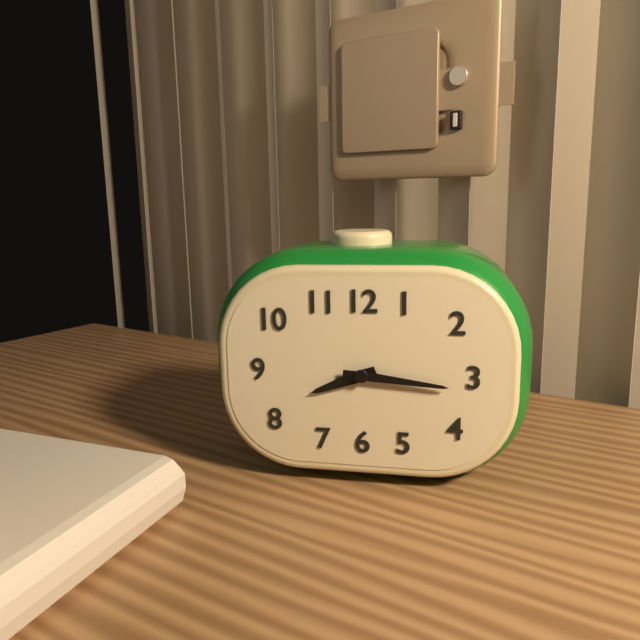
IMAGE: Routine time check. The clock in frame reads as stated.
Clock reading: 8:16
